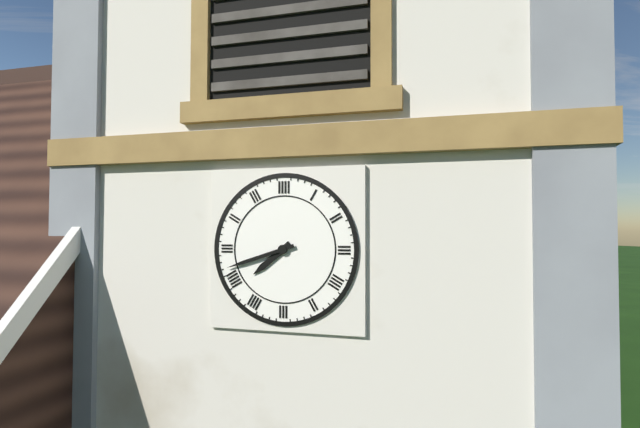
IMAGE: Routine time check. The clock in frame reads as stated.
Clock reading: 7:42
